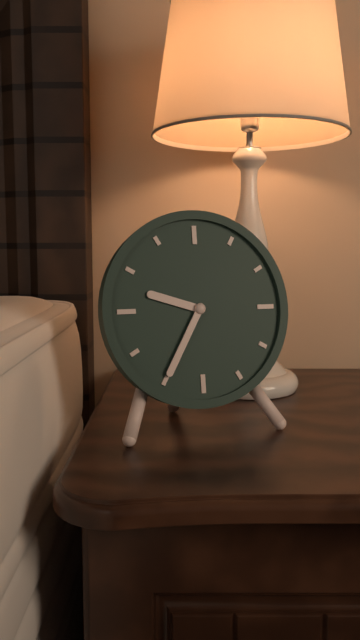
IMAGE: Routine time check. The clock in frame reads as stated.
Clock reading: 9:35
